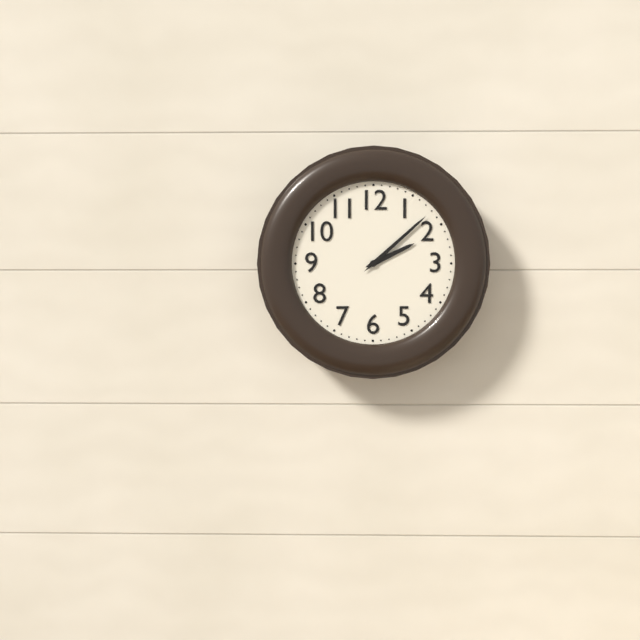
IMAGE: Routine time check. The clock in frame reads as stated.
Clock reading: 2:08
